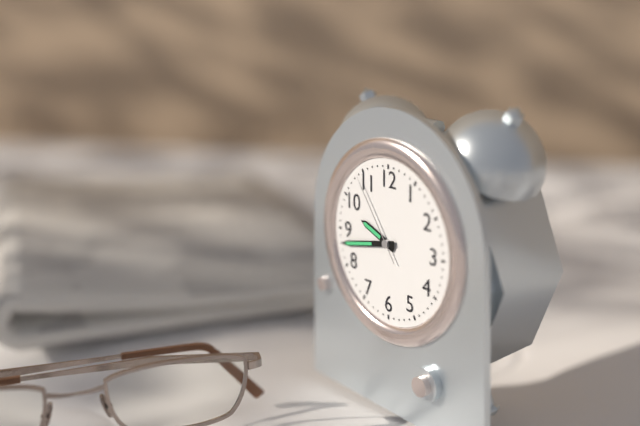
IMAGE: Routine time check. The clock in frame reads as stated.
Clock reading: 9:43:54
